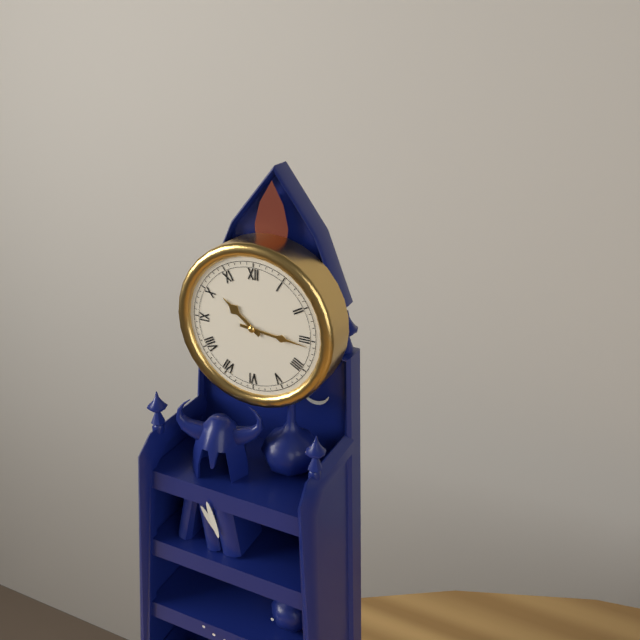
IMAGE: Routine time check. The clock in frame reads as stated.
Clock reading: 10:16
